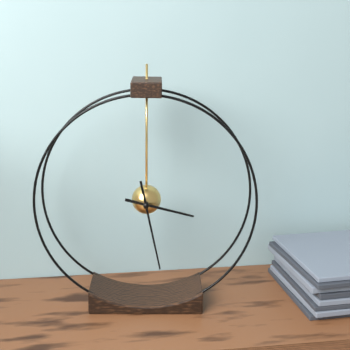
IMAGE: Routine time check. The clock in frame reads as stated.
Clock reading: 3:28
